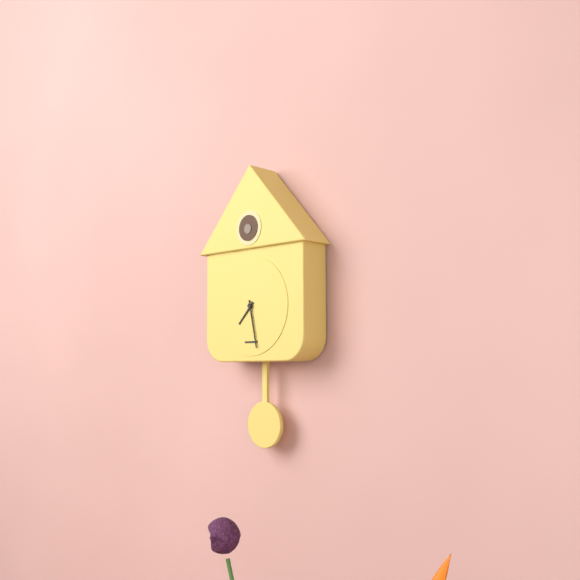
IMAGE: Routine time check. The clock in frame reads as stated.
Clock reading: 7:28
